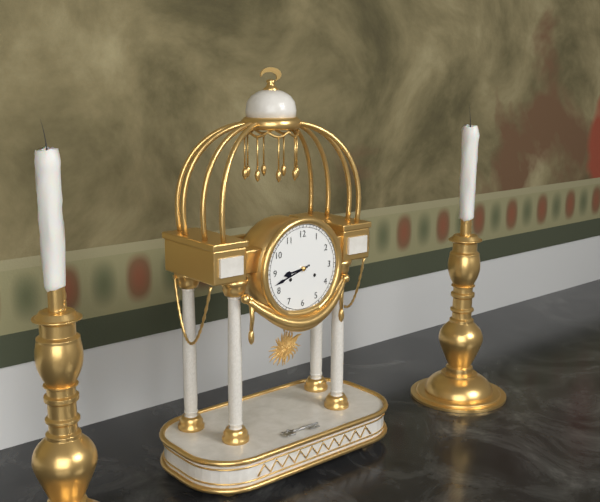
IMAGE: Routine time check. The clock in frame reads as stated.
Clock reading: 8:42
